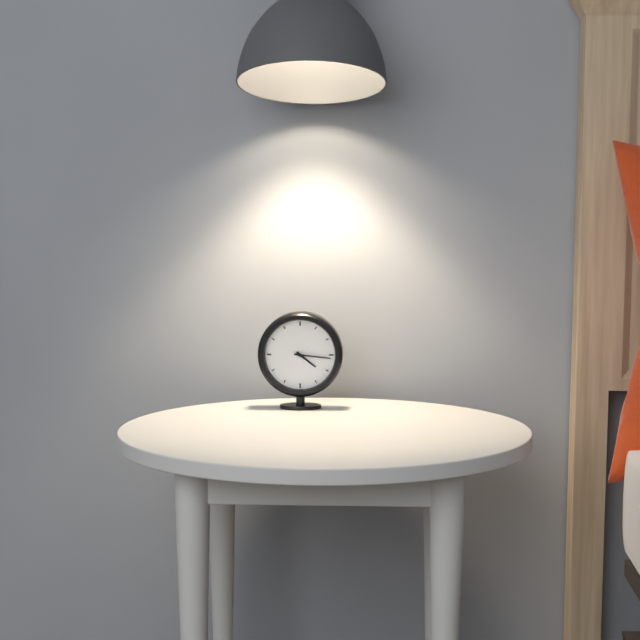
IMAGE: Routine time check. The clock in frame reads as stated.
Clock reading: 4:16
